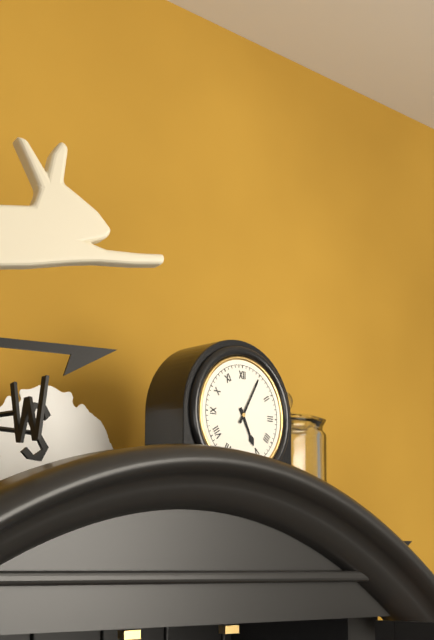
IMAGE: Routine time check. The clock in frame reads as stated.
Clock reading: 5:05
